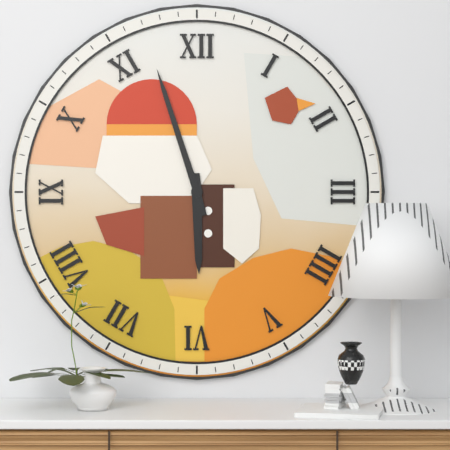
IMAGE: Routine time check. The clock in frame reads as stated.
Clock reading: 5:57
